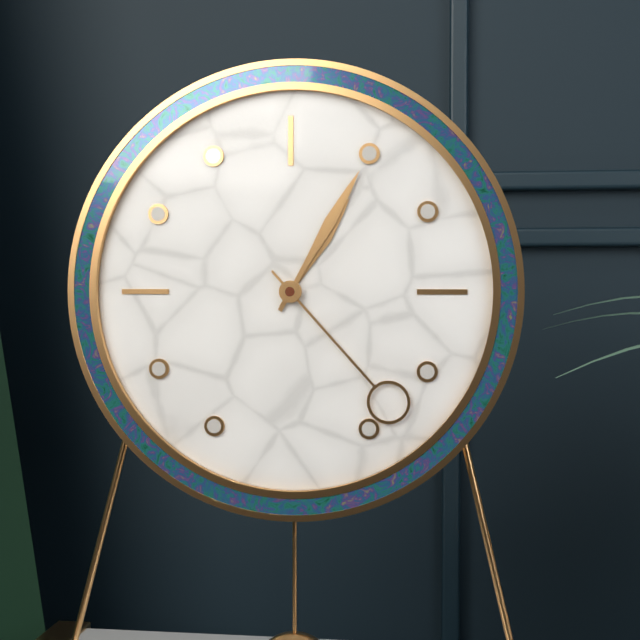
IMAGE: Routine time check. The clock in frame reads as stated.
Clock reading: 1:05:23
